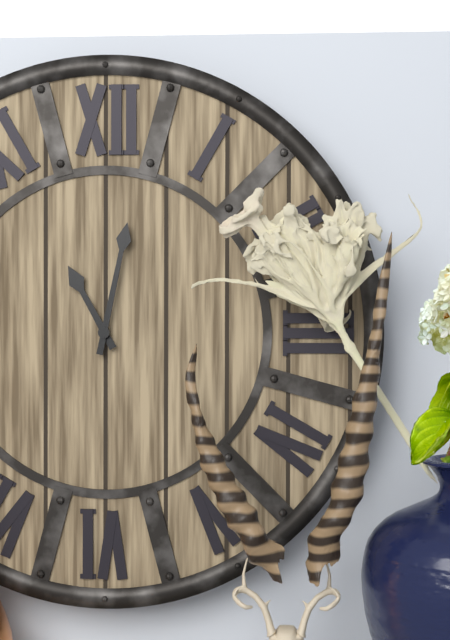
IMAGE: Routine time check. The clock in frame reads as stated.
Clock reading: 11:02
